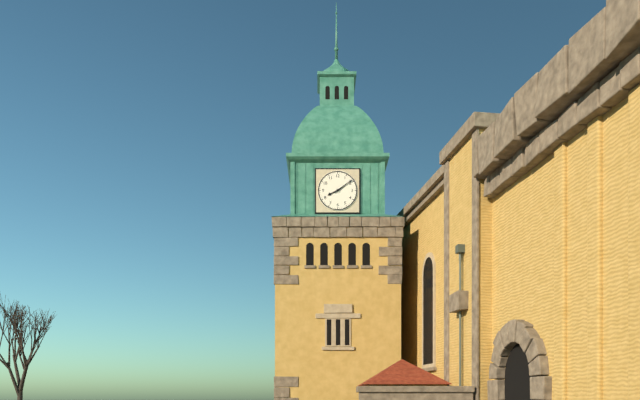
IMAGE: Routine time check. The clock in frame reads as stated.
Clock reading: 8:09
